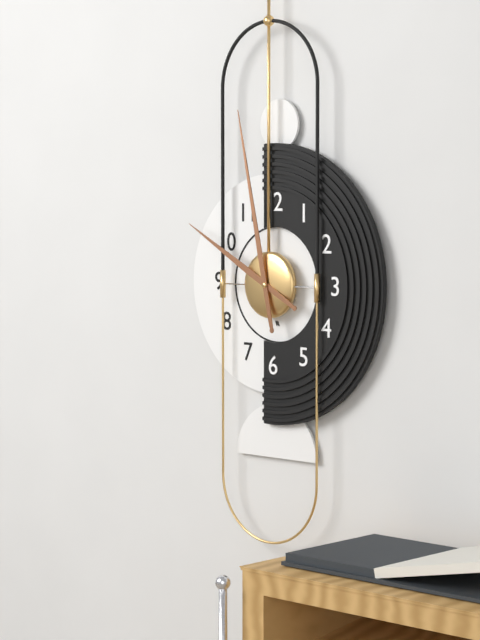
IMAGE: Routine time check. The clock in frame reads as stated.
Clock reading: 9:58
